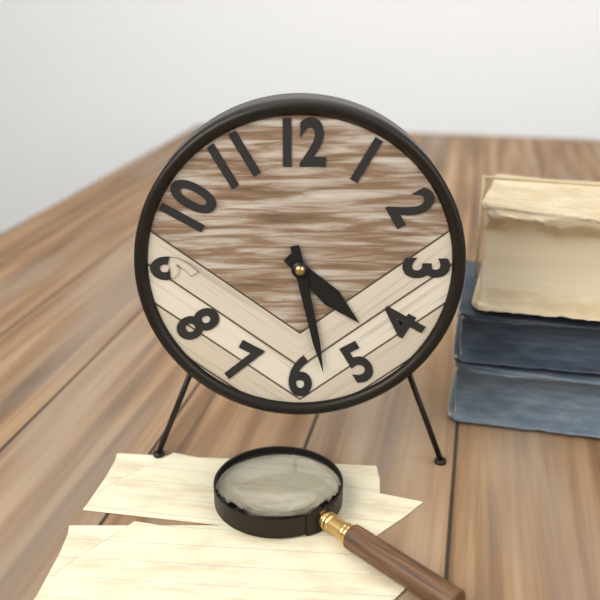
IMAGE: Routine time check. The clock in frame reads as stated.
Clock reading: 4:28
